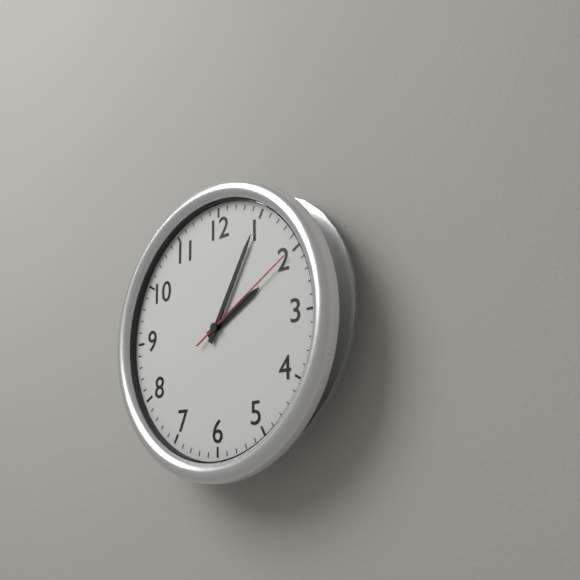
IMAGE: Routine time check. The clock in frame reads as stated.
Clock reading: 2:05:10
